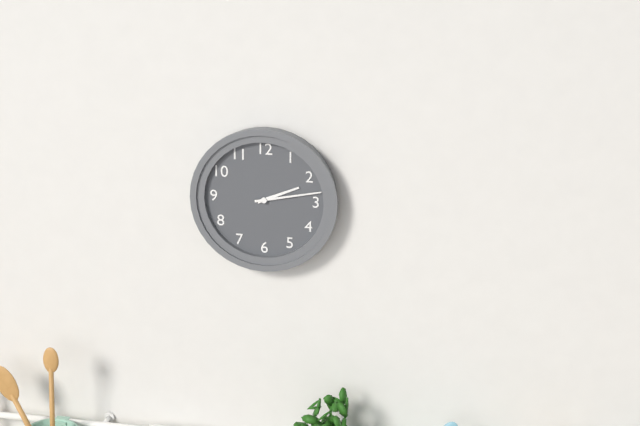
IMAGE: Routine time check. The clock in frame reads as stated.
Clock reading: 2:13
